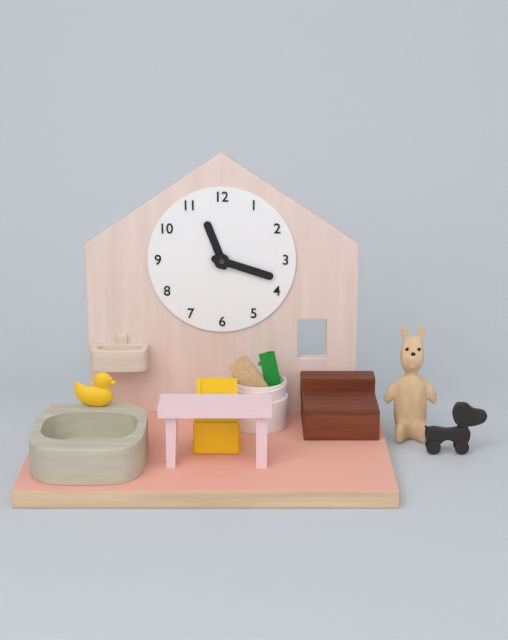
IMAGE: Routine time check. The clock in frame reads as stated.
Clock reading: 11:18
